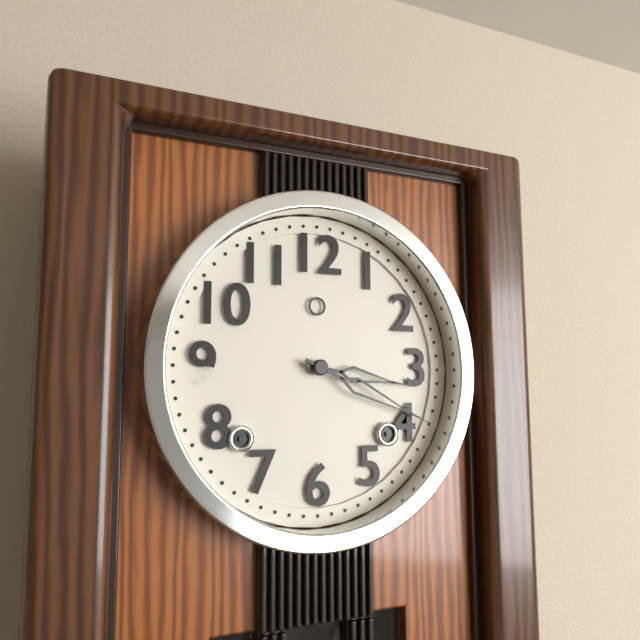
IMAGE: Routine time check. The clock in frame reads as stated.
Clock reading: 3:19
